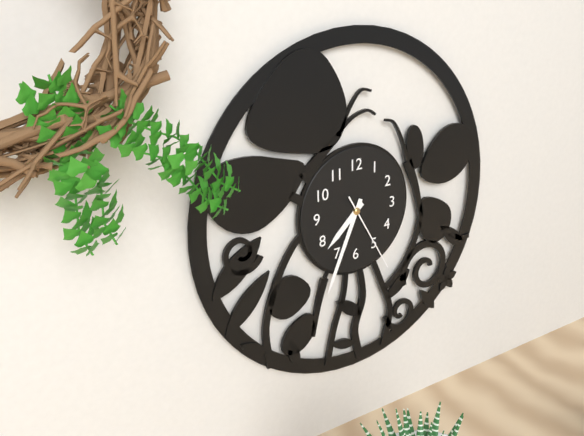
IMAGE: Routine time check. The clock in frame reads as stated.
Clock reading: 7:34:25
